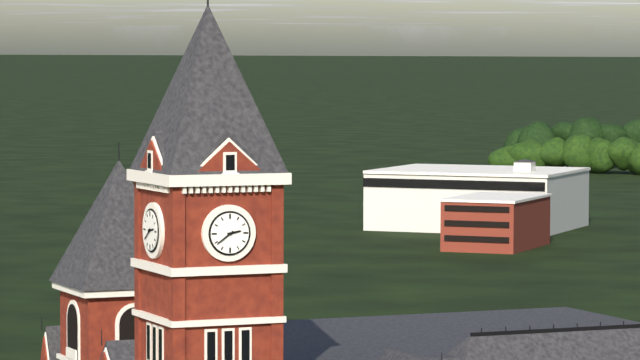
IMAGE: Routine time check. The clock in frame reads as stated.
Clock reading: 2:39
